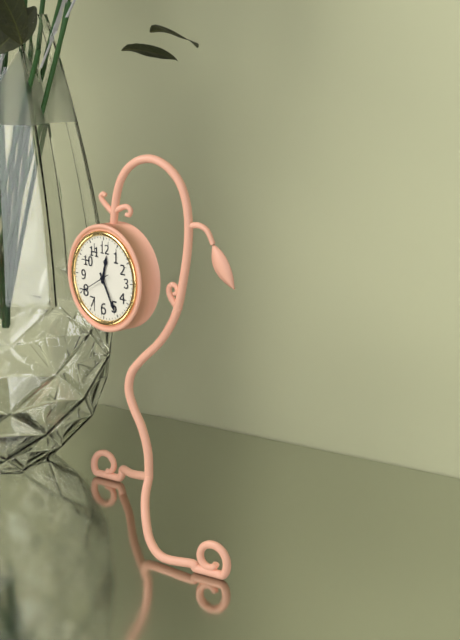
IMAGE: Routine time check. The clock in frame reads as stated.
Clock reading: 12:25
